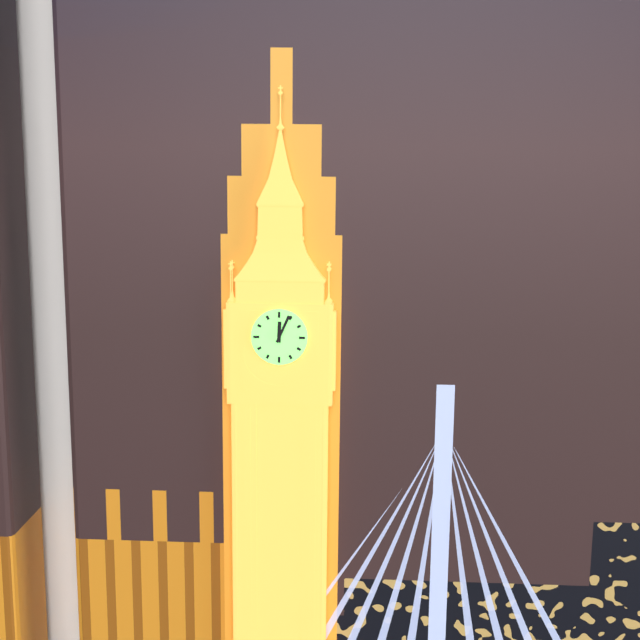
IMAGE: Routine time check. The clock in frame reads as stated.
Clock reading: 12:04
